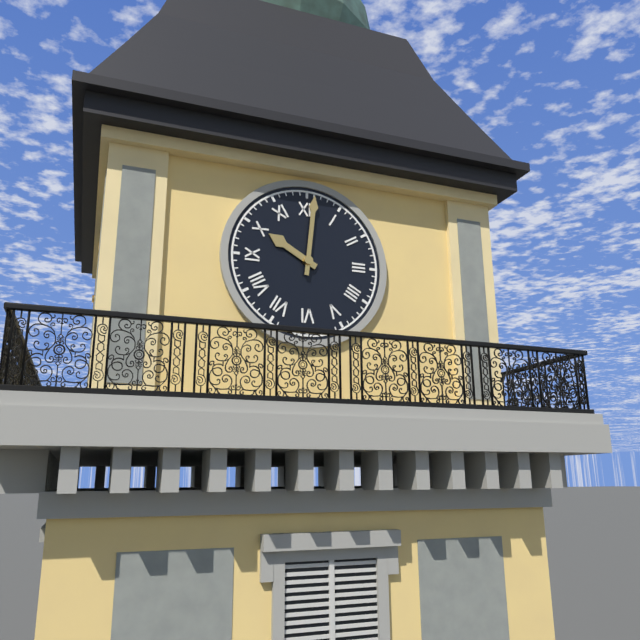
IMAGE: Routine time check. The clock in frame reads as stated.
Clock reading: 10:01
